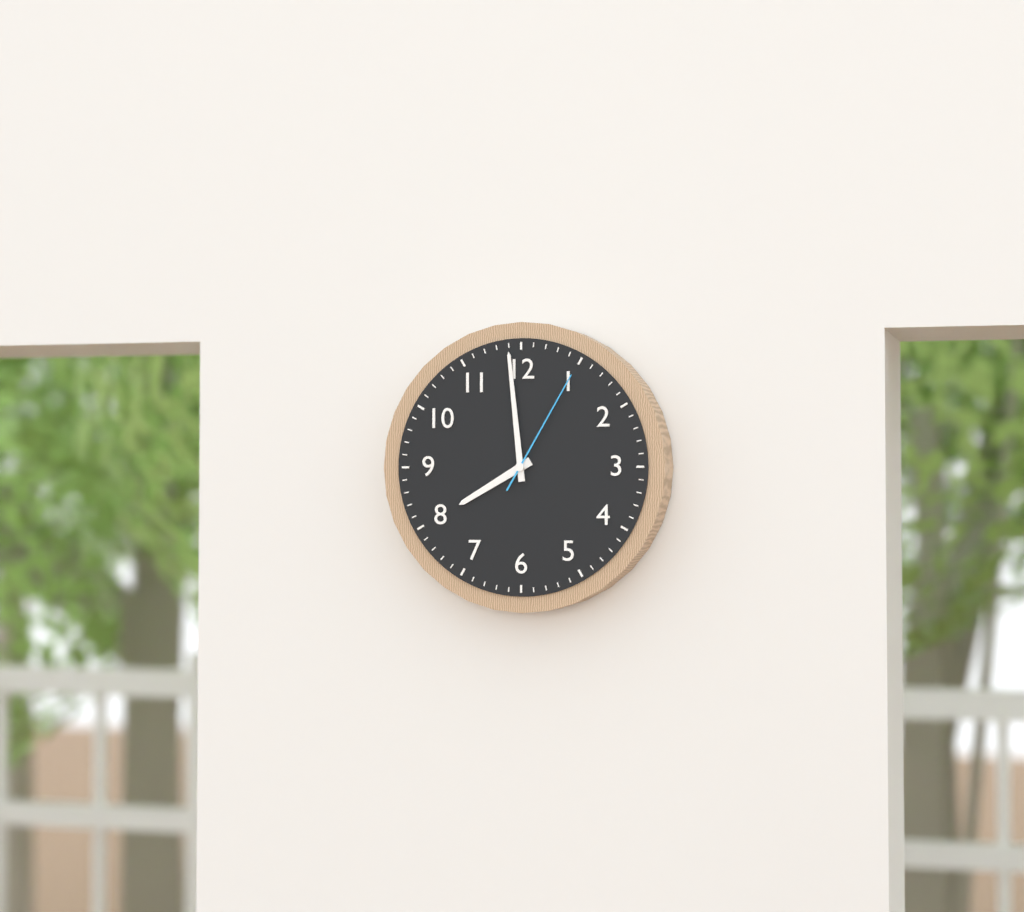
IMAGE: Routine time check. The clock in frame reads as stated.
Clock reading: 7:59:05
